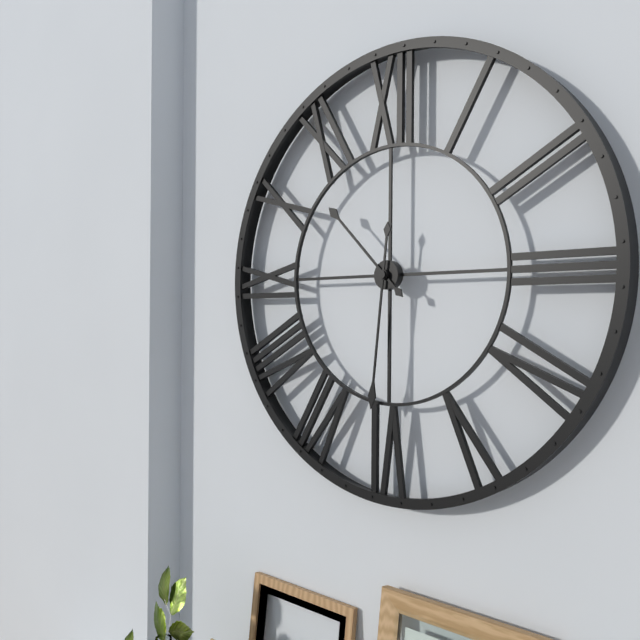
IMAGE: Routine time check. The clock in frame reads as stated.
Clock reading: 10:31
